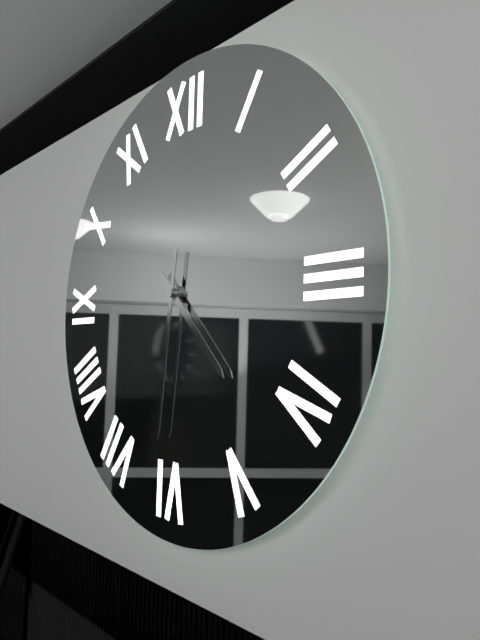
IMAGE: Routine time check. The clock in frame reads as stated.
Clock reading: 4:31
